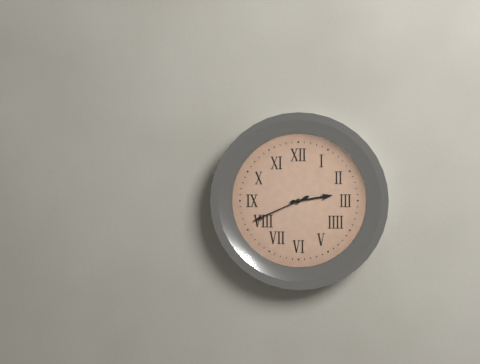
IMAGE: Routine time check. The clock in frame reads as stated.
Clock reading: 2:41
